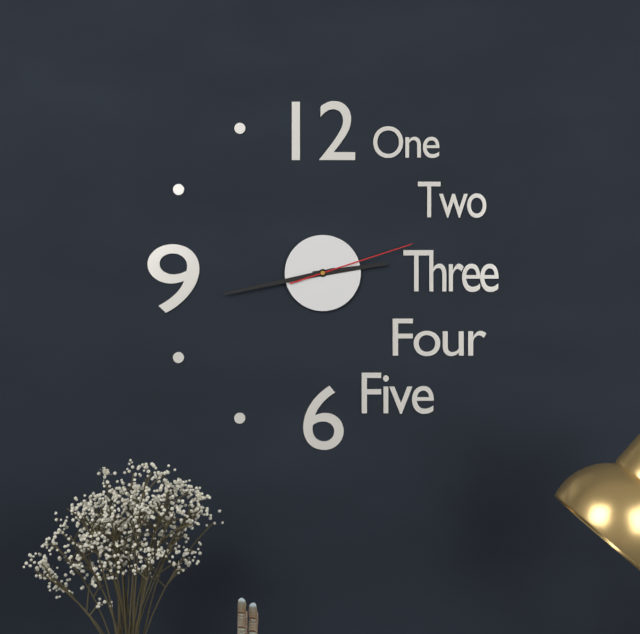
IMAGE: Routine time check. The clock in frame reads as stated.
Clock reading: 2:43:12
